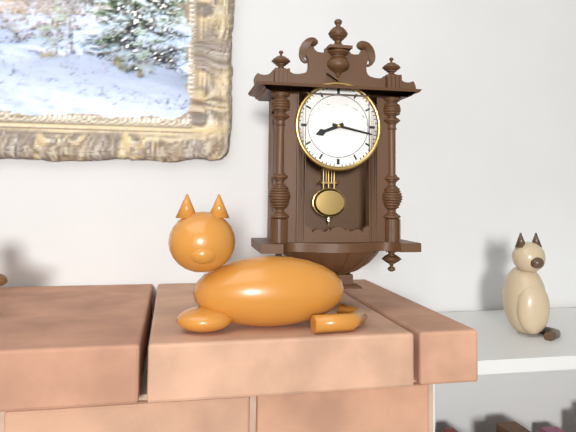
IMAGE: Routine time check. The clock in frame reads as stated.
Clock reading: 8:17
